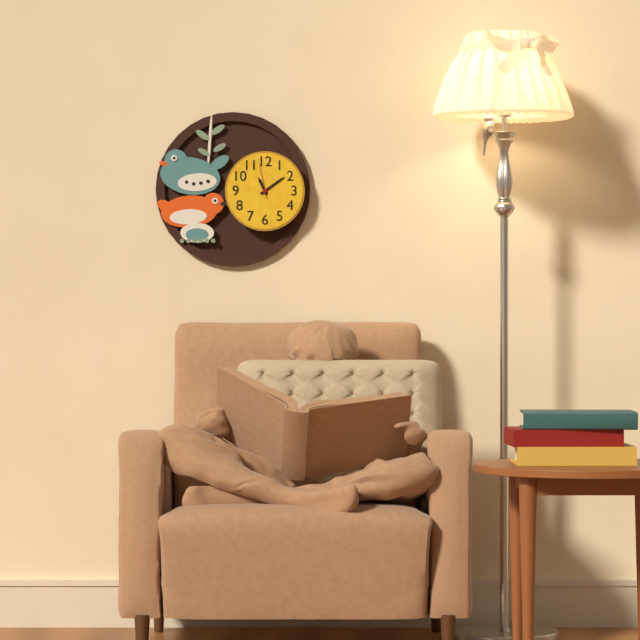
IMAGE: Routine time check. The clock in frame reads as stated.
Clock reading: 11:09
